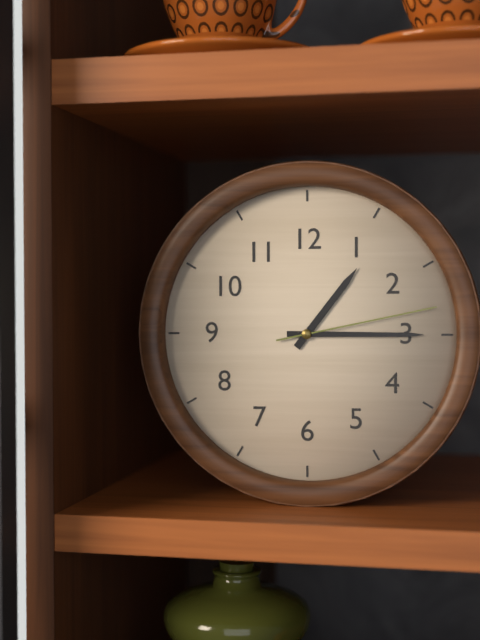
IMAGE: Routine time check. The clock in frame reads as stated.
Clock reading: 1:15:13
